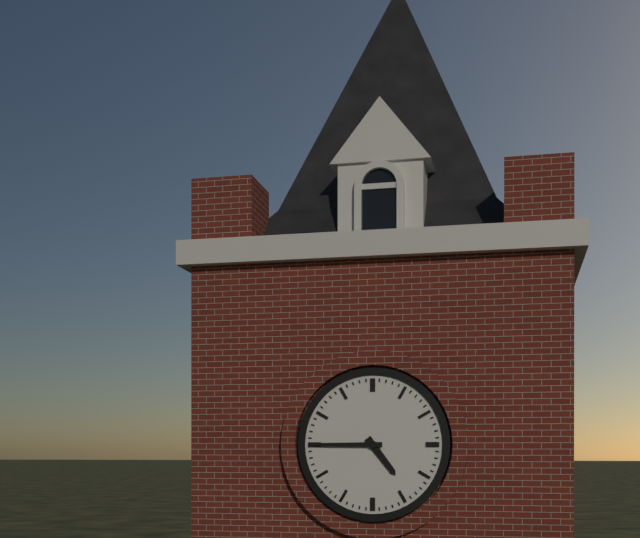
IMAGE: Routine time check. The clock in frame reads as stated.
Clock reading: 4:45
